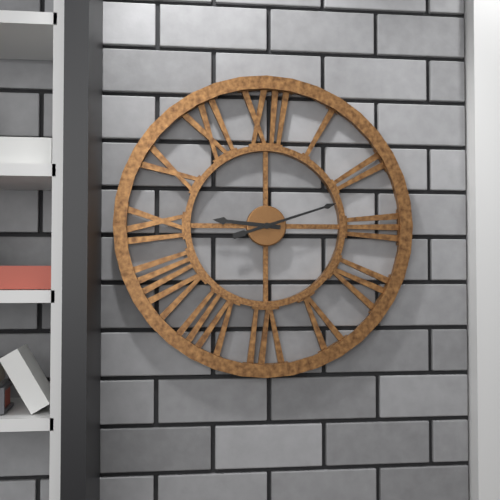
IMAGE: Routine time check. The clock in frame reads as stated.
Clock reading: 9:12
